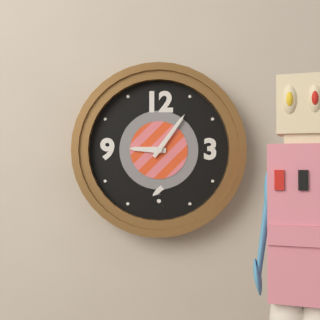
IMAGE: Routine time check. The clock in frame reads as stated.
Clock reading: 9:06
